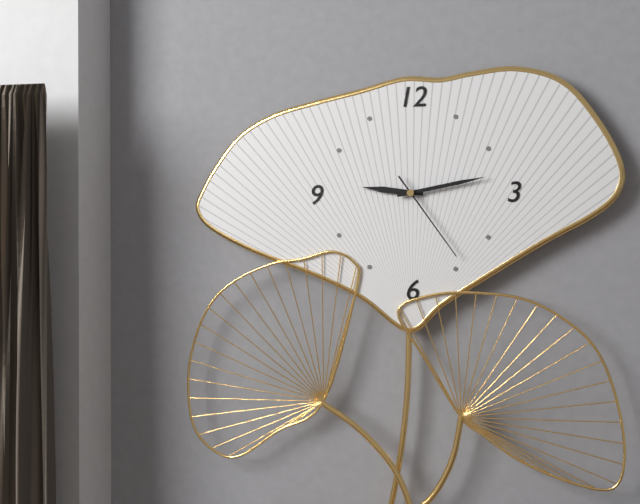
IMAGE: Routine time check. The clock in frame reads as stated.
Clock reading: 9:13:24
